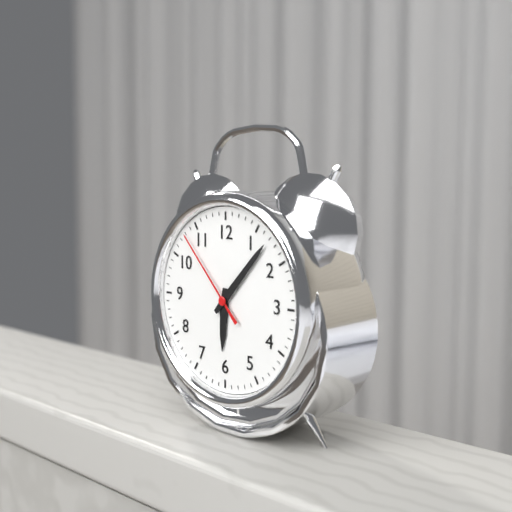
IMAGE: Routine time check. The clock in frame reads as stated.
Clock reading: 6:07:53
